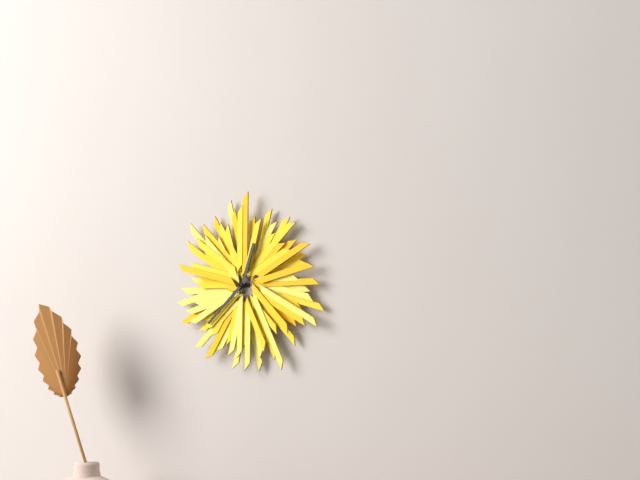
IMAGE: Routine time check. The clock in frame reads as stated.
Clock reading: 12:38
